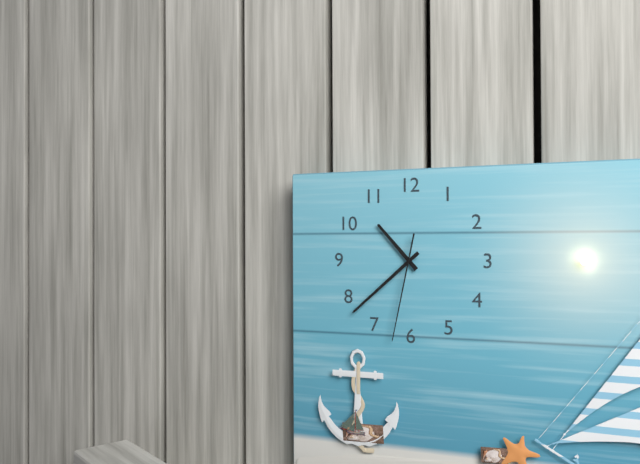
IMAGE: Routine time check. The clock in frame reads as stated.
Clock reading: 10:38:32
